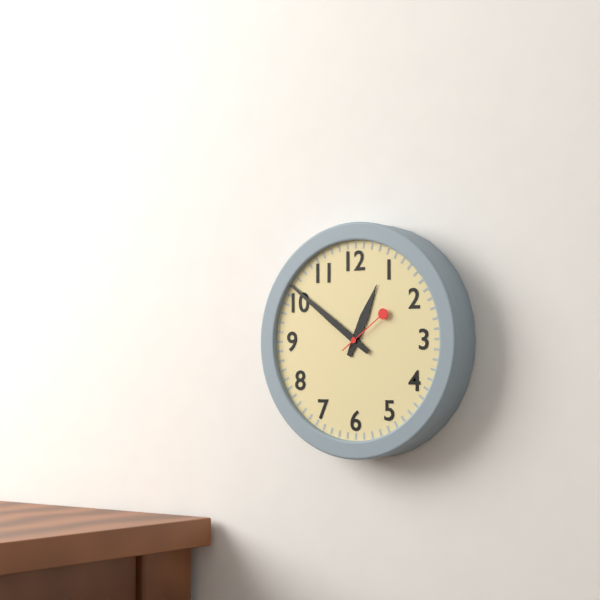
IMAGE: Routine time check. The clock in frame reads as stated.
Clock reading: 12:51:09
